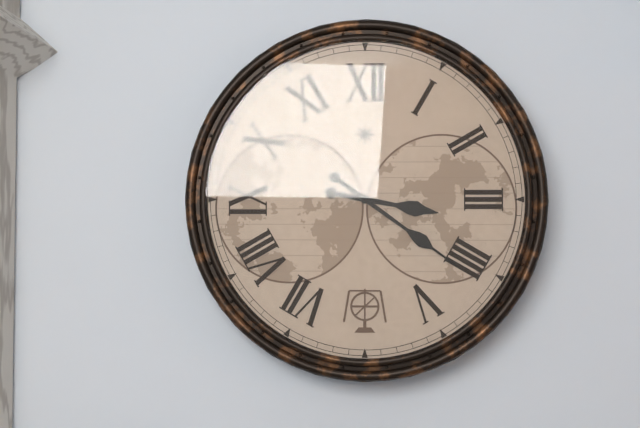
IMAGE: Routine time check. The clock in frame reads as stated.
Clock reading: 3:21
